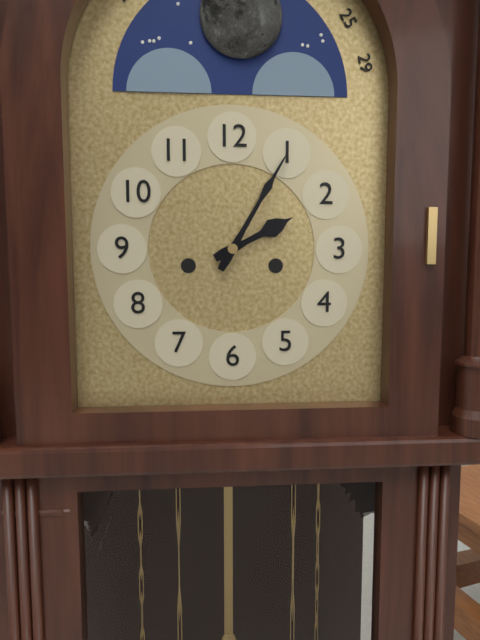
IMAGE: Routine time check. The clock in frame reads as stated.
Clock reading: 2:05
